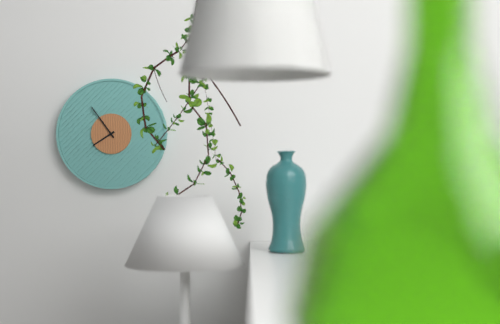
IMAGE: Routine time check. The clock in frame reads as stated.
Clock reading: 7:54
